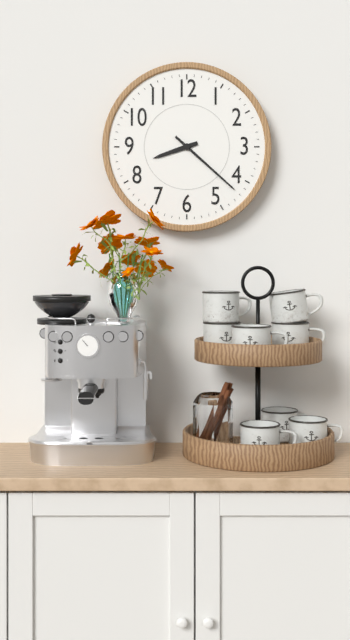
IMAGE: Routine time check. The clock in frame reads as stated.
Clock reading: 8:22
